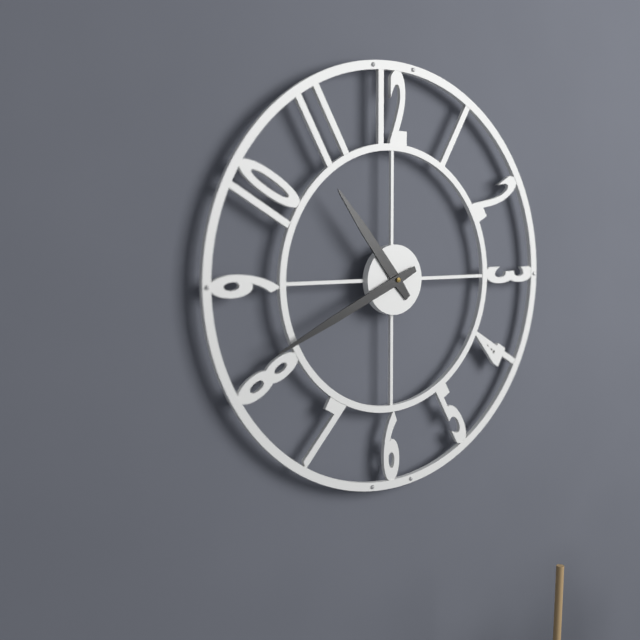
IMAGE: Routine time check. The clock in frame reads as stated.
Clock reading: 10:41
